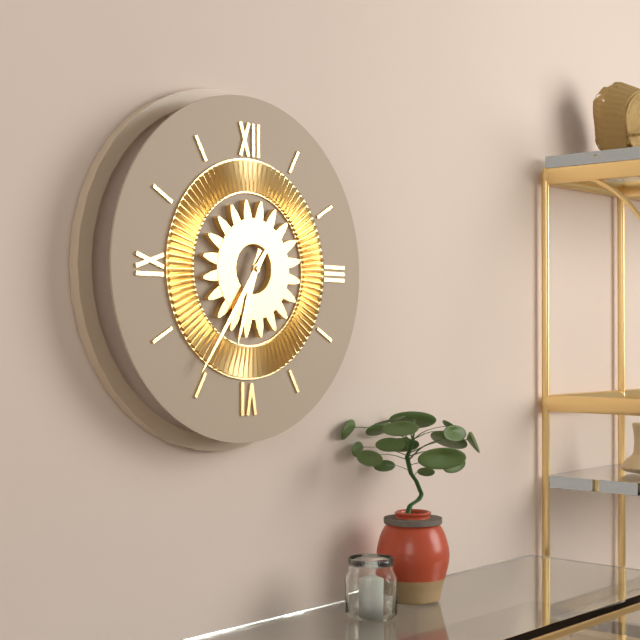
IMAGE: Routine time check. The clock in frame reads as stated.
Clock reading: 6:36
